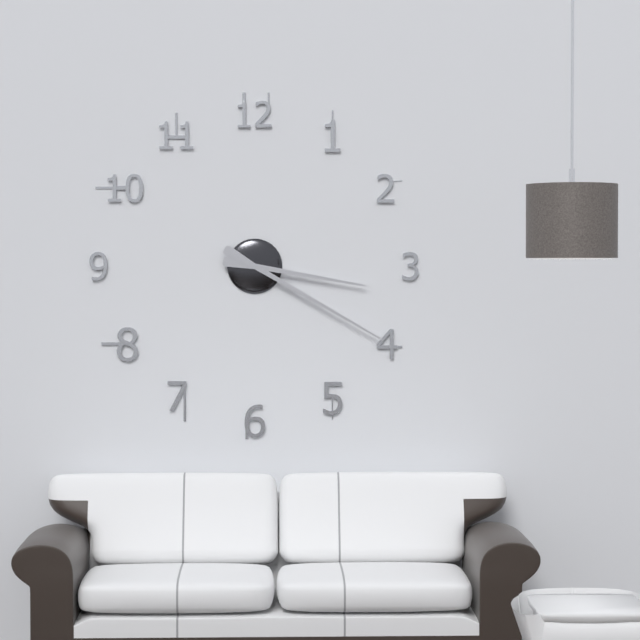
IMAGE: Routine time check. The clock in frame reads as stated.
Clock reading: 3:20
